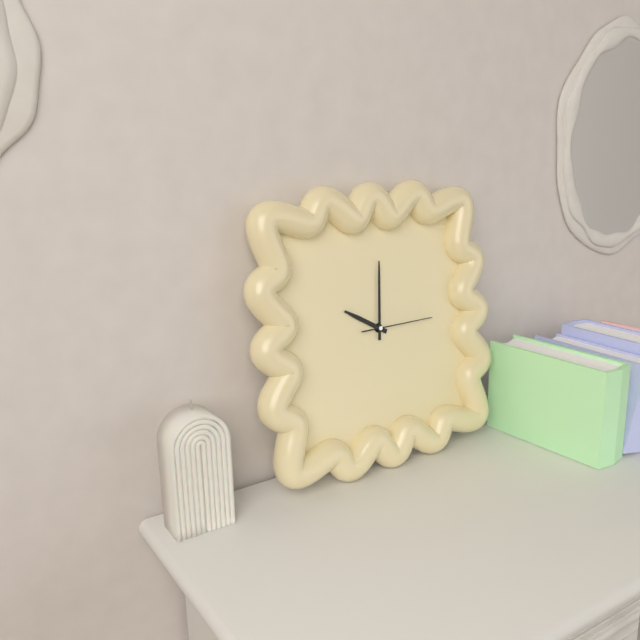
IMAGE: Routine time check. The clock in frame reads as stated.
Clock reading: 10:01:15
